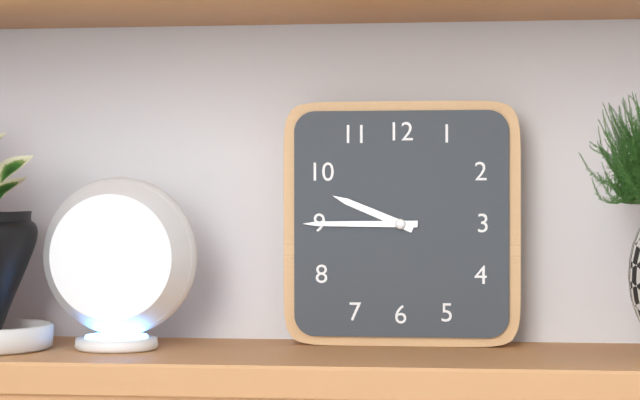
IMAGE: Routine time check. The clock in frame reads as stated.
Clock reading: 9:45
